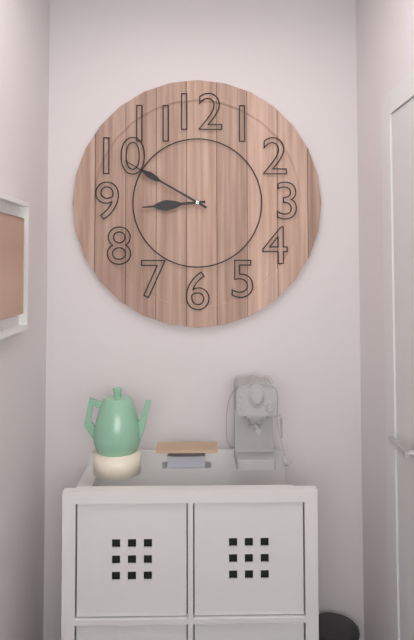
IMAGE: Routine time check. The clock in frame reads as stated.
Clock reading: 8:50
